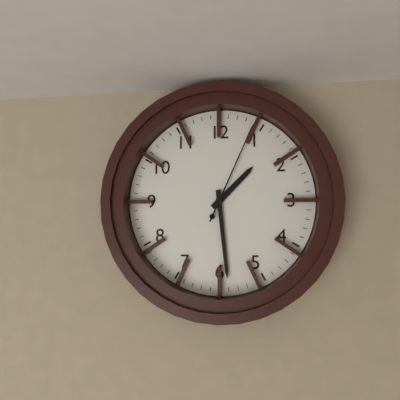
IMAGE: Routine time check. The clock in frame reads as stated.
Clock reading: 1:29:04
